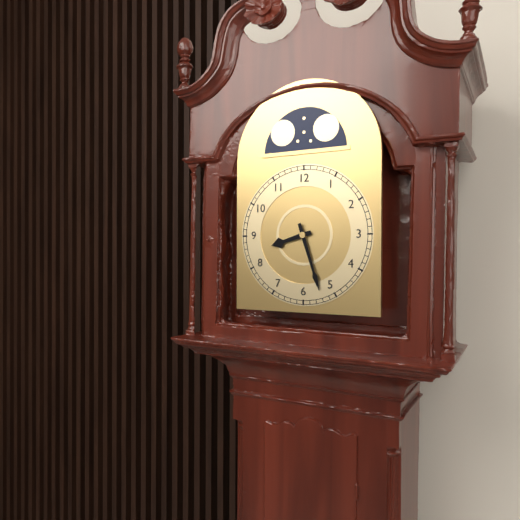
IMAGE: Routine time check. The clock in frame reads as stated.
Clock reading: 8:27
